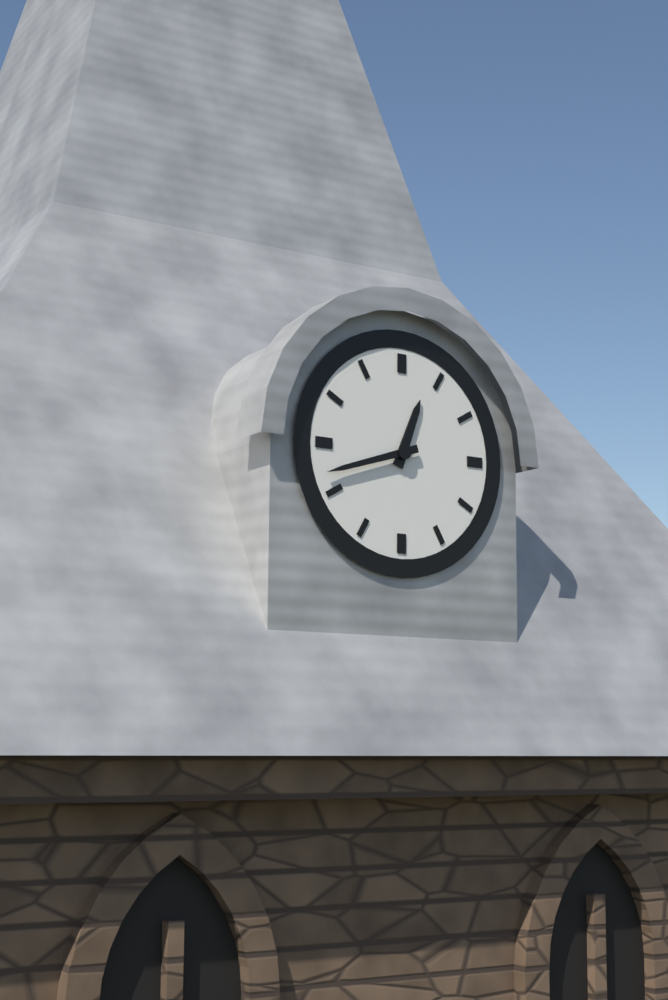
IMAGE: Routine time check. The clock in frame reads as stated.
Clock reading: 12:42
